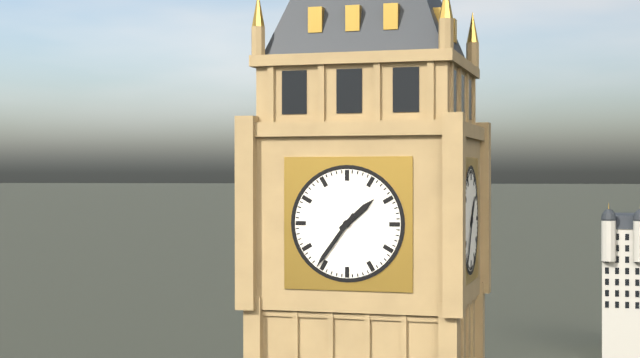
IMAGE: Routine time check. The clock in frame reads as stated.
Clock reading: 1:36
